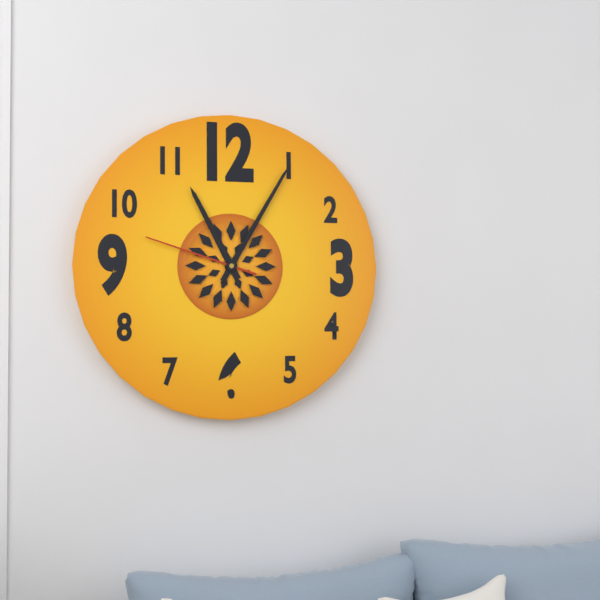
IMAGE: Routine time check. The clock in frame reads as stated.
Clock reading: 11:05:48
